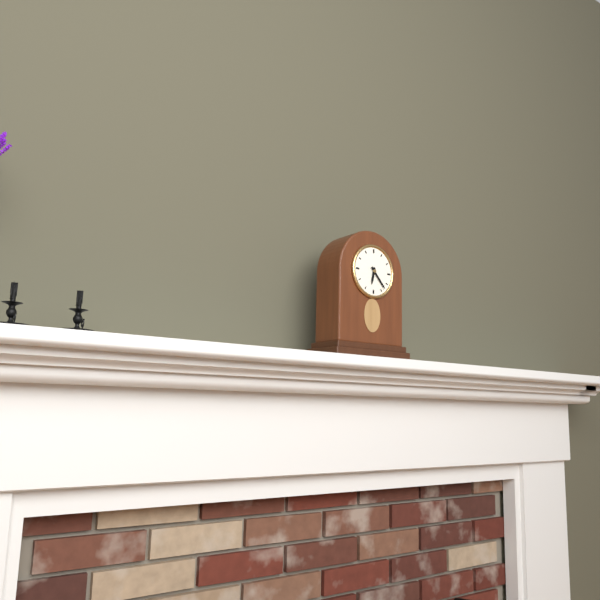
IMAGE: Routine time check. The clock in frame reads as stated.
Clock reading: 6:23
